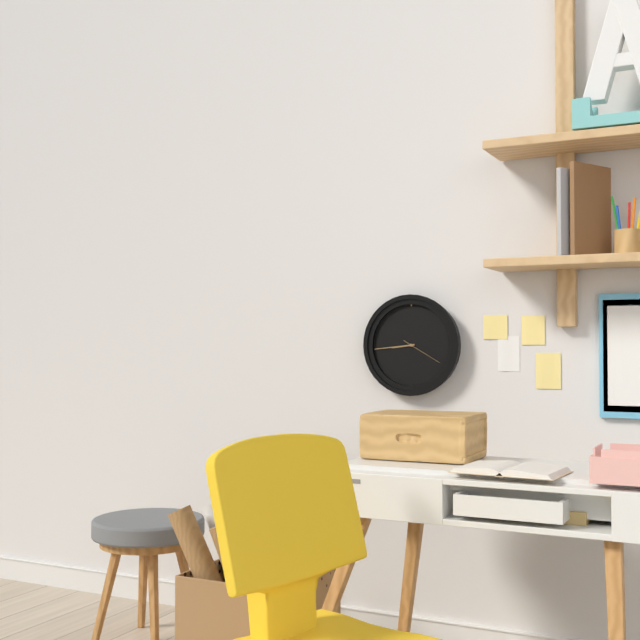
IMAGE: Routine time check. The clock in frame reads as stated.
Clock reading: 8:44
